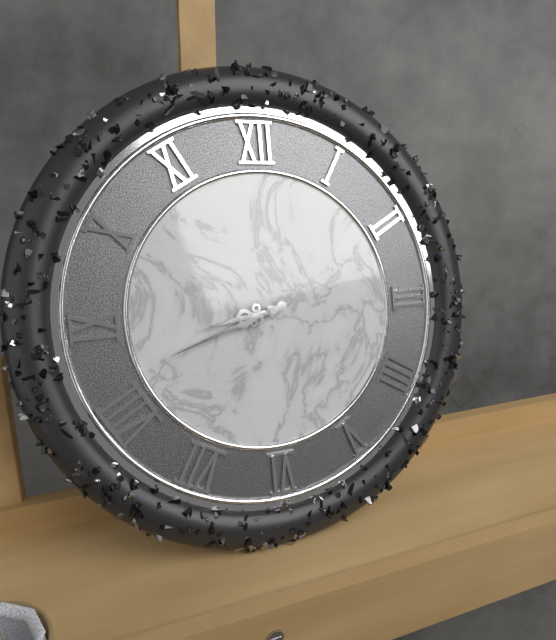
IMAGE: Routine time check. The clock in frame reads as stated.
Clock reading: 8:42
